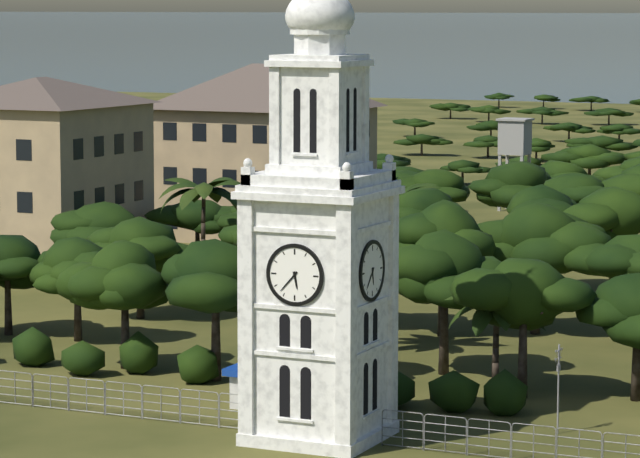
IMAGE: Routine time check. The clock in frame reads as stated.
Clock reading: 5:37
